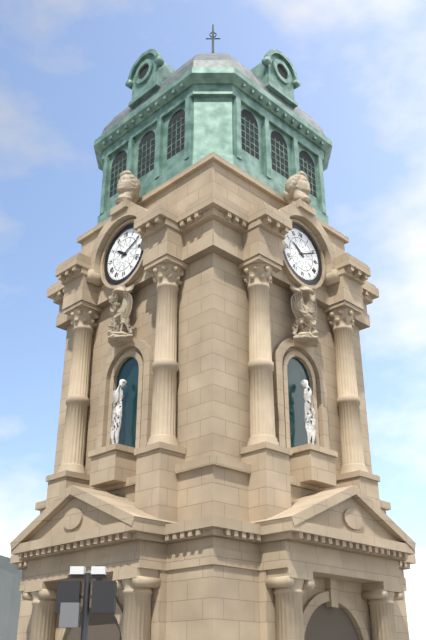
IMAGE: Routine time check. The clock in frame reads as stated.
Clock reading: 10:11
